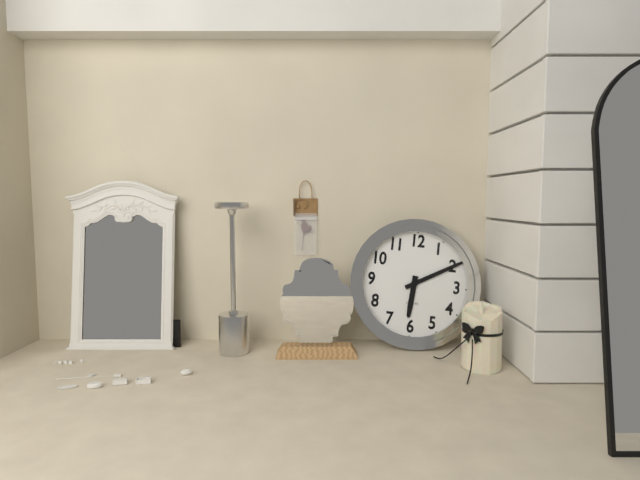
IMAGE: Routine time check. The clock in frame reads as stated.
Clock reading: 6:10
